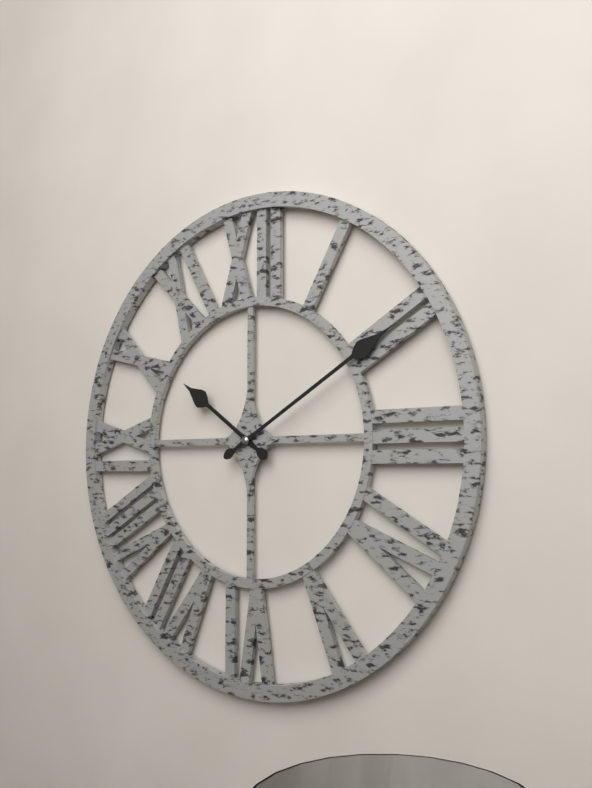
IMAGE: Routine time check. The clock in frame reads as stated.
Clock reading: 10:10
